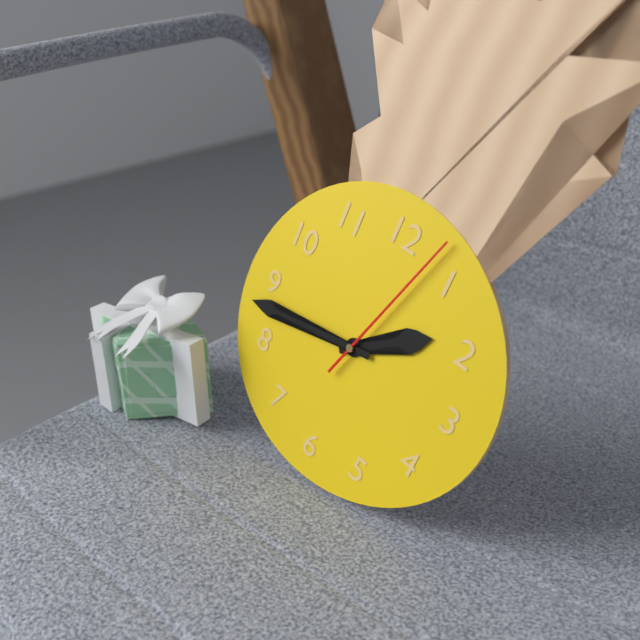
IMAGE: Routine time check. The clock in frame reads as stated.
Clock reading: 1:43:03
